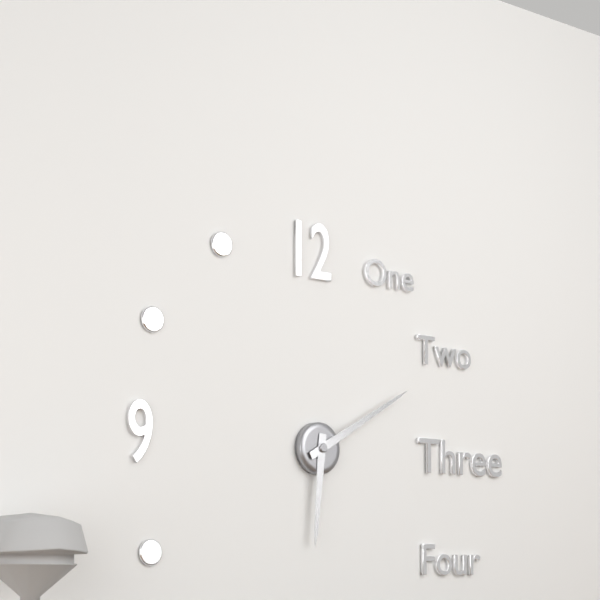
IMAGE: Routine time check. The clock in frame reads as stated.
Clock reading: 6:10
